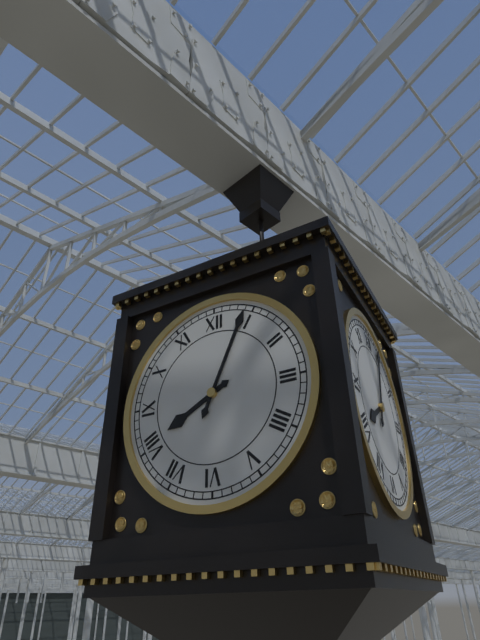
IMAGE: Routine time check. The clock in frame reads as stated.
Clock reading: 8:04
